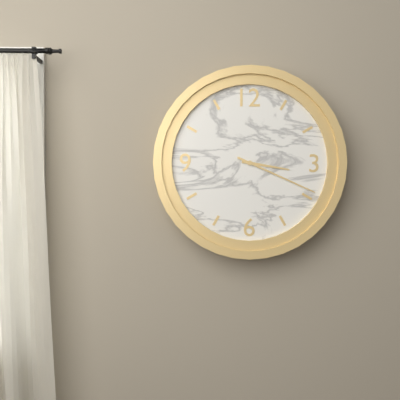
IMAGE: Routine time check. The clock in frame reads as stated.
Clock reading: 3:19
